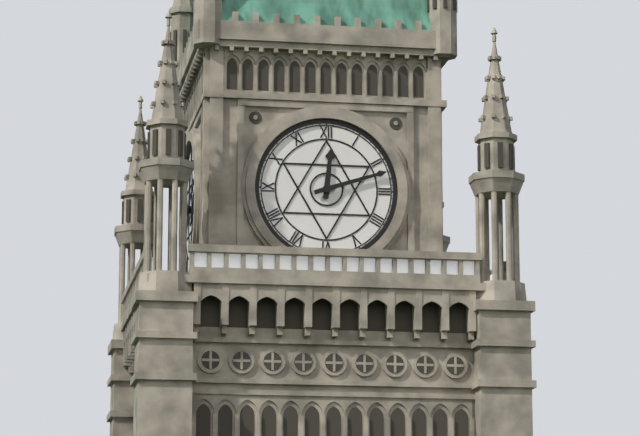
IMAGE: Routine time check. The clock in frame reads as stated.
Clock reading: 12:12
